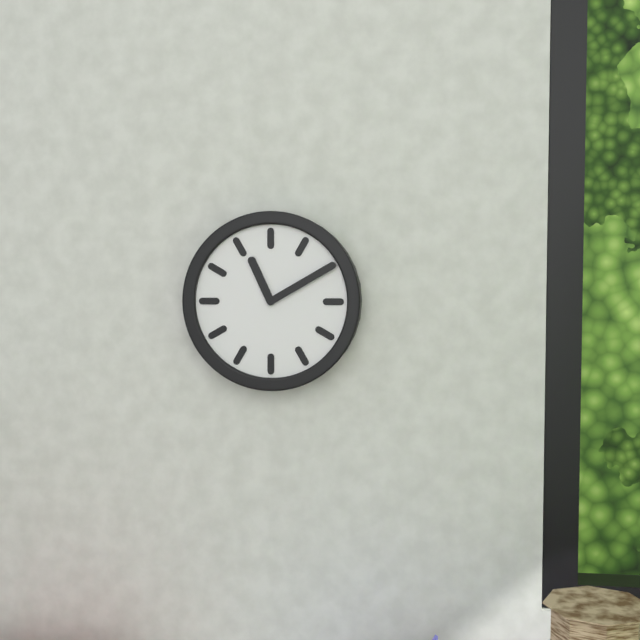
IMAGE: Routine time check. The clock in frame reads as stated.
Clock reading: 11:10
